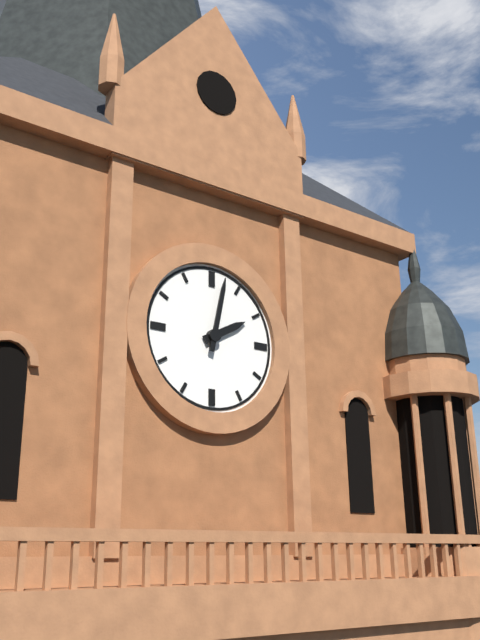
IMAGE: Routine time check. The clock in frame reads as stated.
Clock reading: 2:02
